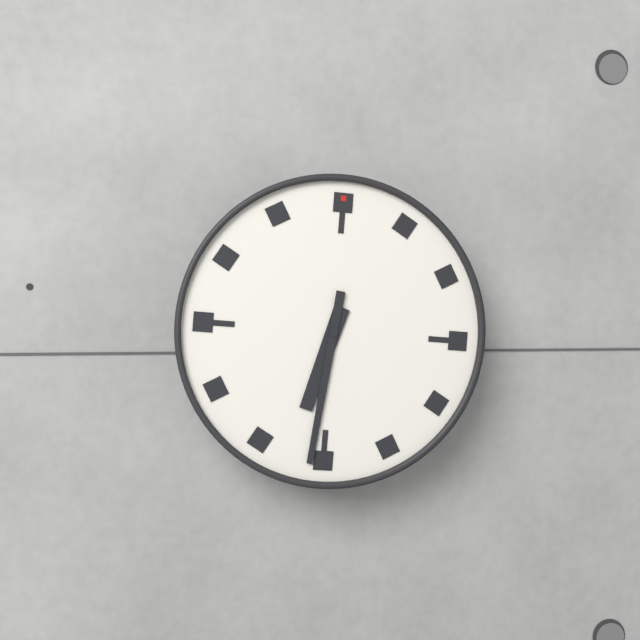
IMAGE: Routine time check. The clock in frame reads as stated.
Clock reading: 6:31
